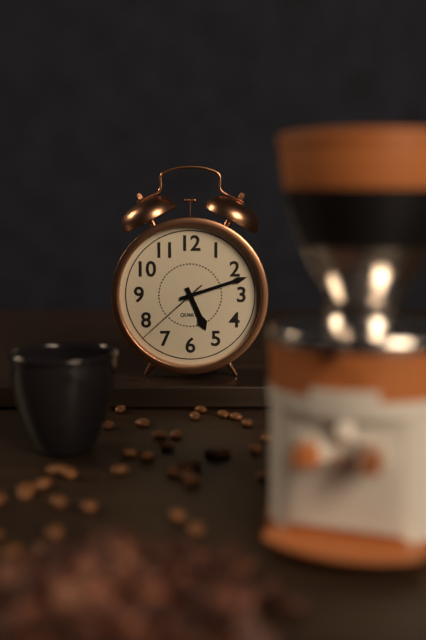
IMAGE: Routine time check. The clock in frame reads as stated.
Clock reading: 5:12:38
